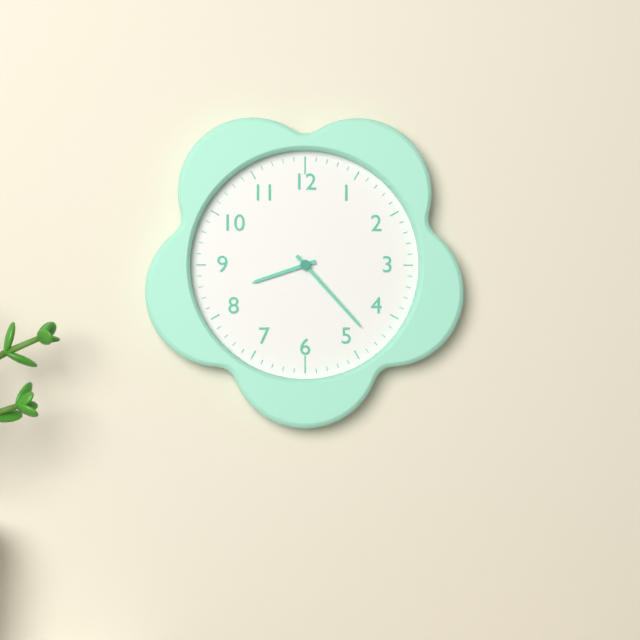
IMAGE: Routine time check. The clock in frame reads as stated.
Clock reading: 8:23
